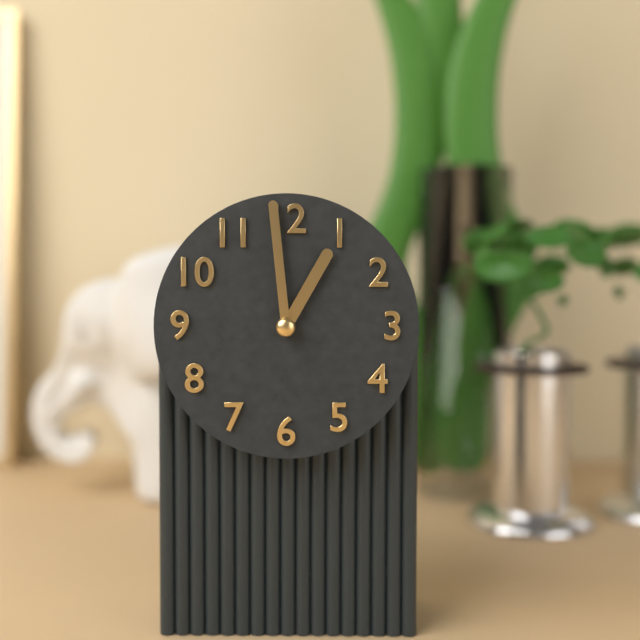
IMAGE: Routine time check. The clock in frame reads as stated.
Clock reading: 12:59
